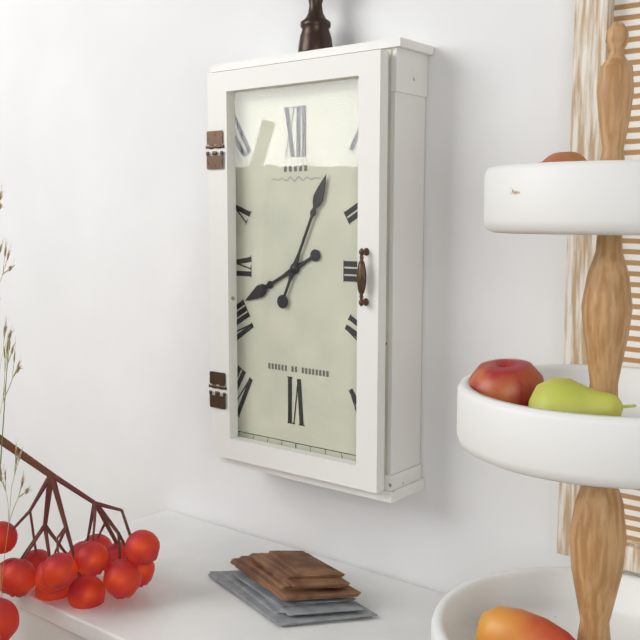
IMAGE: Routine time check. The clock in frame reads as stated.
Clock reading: 8:04
